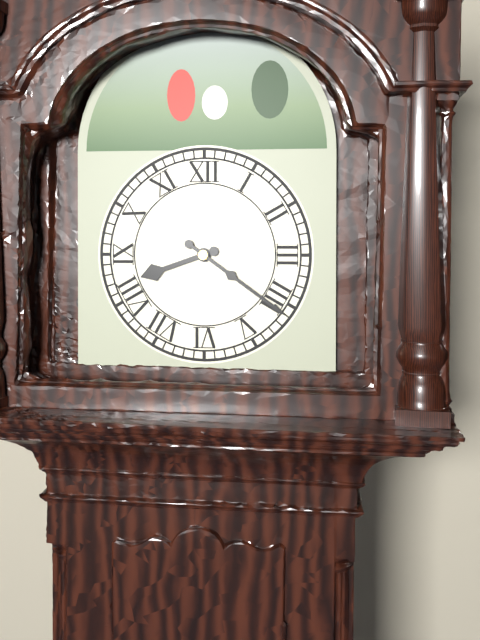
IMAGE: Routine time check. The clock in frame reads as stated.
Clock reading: 8:21
